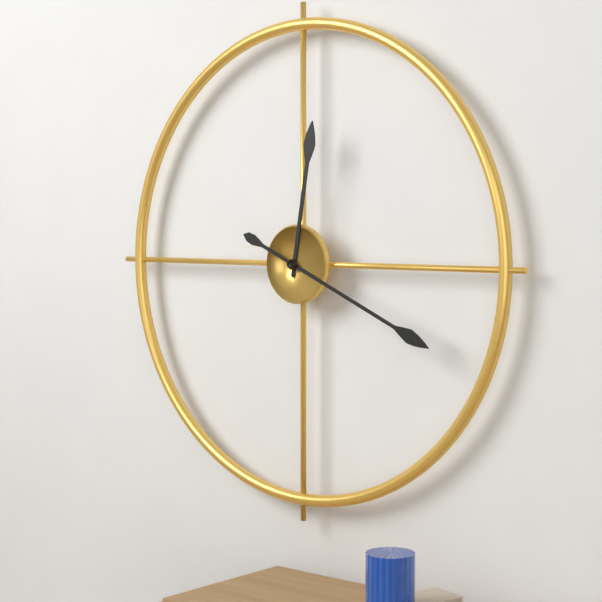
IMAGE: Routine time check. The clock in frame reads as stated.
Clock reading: 12:19
